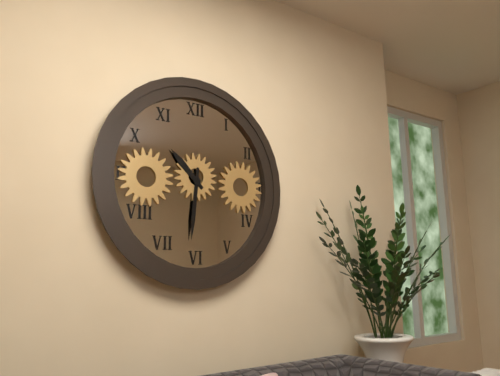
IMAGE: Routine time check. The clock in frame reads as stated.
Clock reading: 10:31
